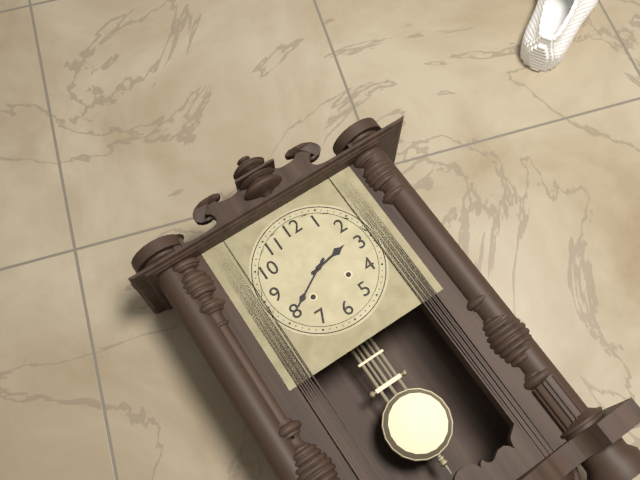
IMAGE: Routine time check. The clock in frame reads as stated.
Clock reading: 2:40
